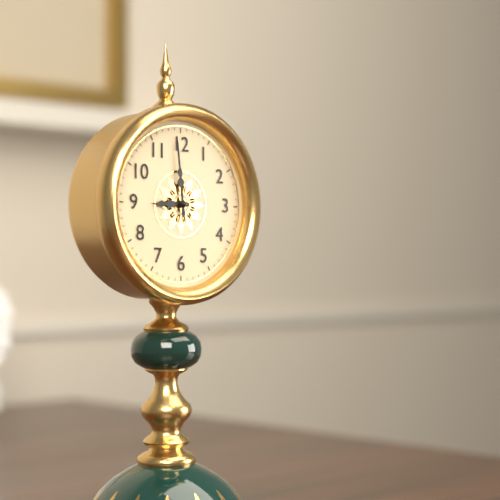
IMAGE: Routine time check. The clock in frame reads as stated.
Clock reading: 8:59
